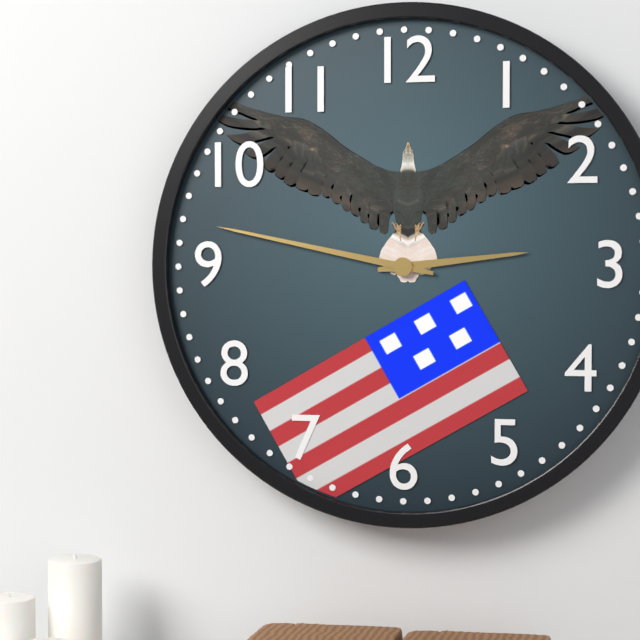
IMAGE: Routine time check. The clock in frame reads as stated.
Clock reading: 2:47
